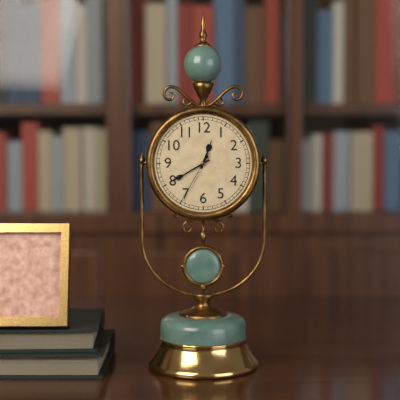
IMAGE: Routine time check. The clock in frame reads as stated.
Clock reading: 12:40:35
